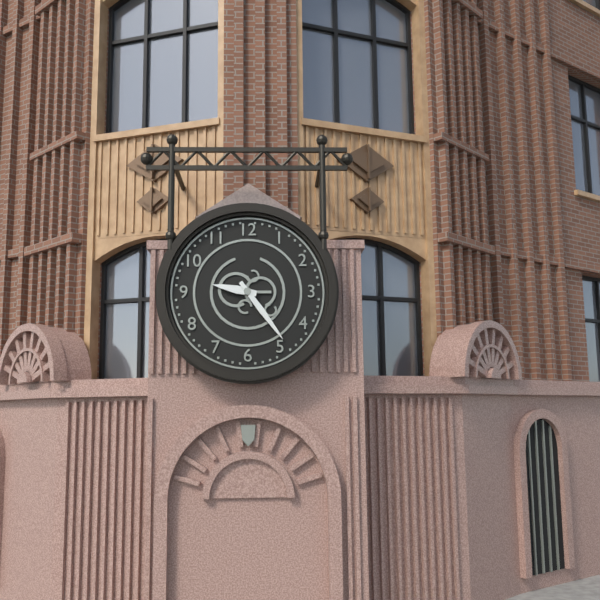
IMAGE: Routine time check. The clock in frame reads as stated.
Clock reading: 9:24
